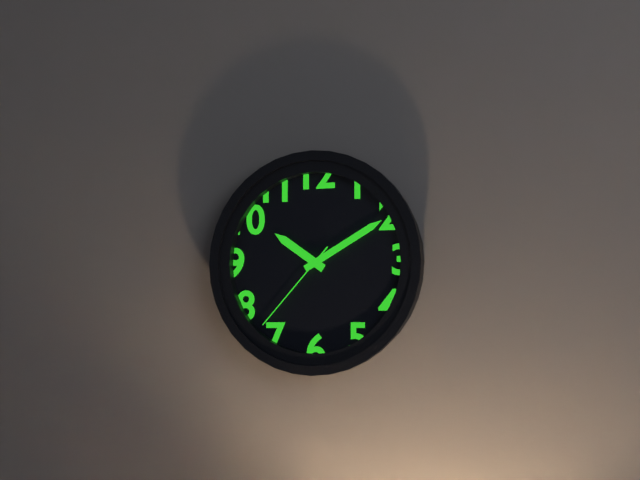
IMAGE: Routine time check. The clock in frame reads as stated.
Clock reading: 10:10:37
